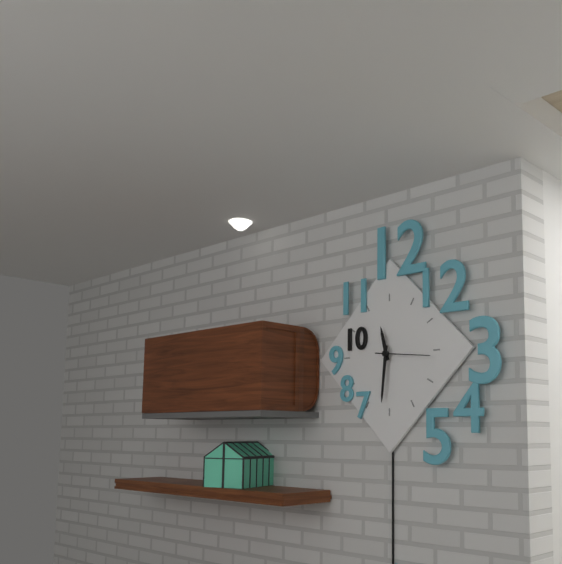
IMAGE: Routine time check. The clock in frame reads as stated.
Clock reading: 11:31
